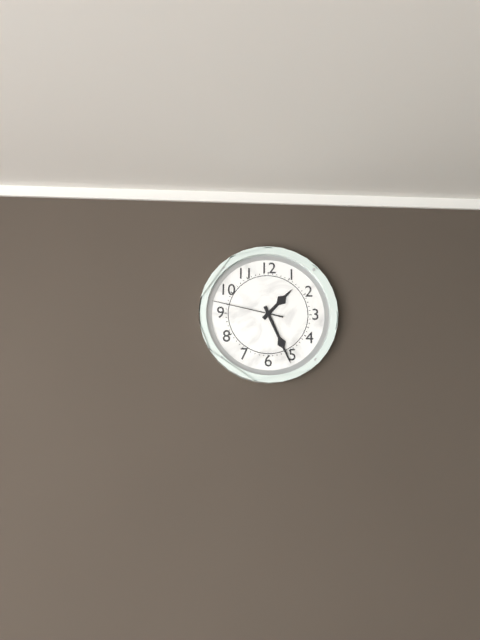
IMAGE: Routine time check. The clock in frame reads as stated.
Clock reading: 1:26:47
